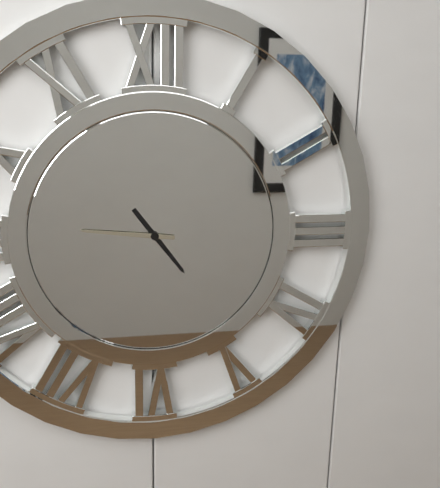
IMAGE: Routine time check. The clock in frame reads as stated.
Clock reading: 4:46
